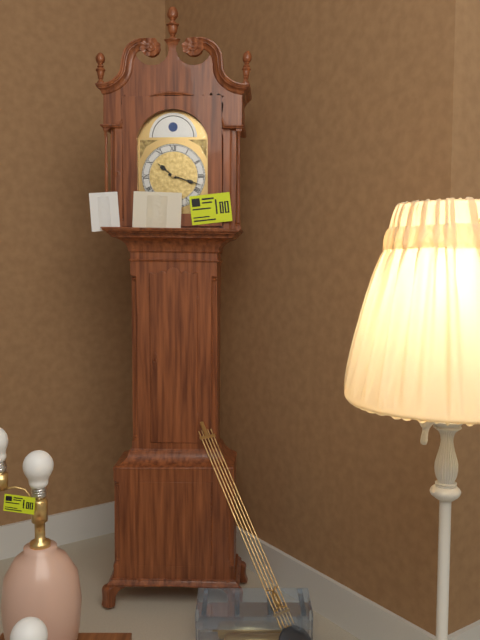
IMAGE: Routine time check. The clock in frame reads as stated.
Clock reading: 10:18
